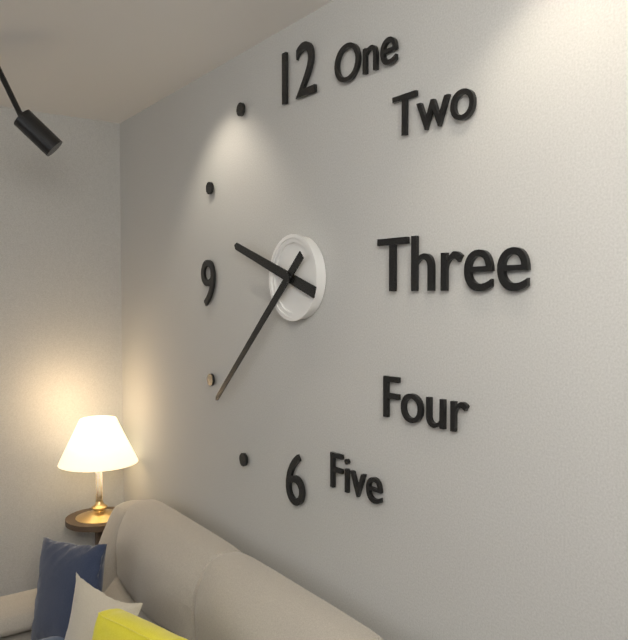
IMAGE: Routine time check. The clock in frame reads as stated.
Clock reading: 9:38
